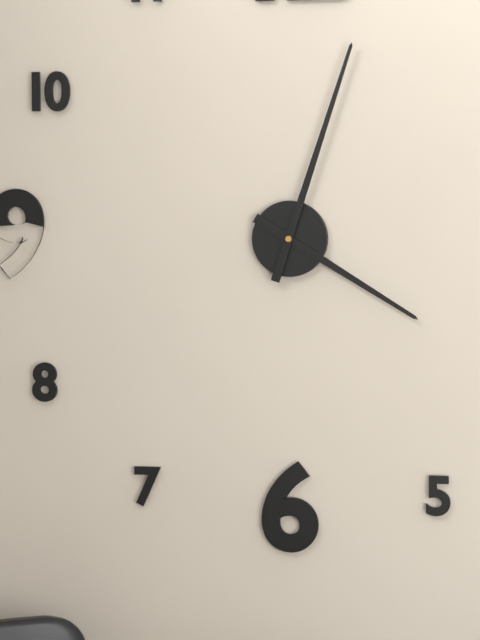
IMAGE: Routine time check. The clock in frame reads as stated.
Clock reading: 4:03
